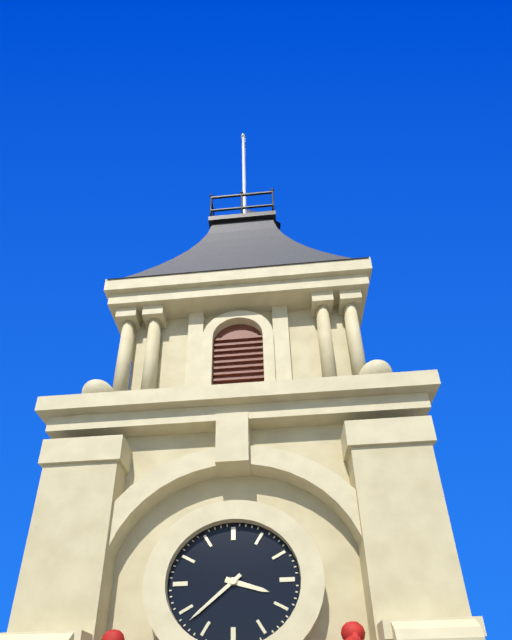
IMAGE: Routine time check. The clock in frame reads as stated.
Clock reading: 3:38
